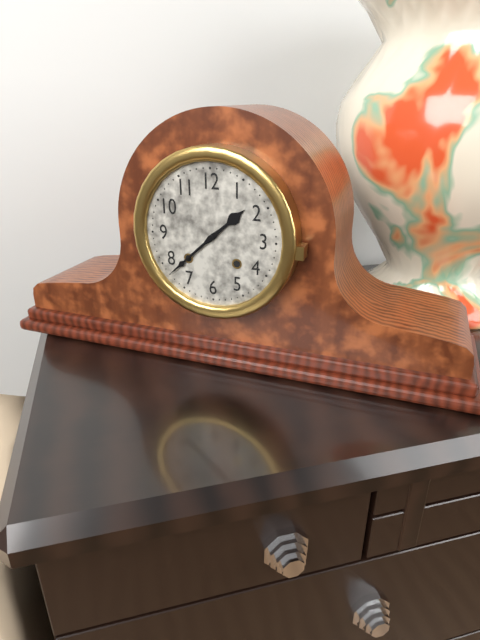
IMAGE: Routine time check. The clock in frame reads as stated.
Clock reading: 1:38
